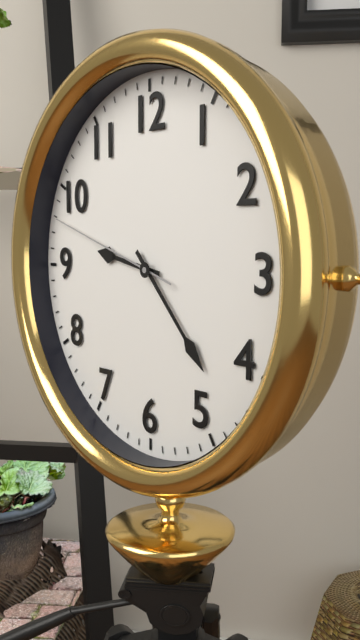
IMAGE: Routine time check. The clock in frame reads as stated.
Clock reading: 9:23:48
